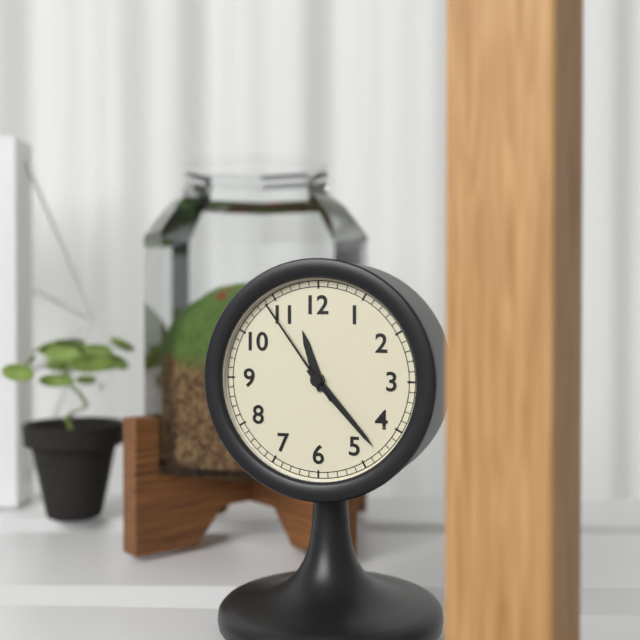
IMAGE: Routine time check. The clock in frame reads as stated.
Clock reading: 11:23:54
